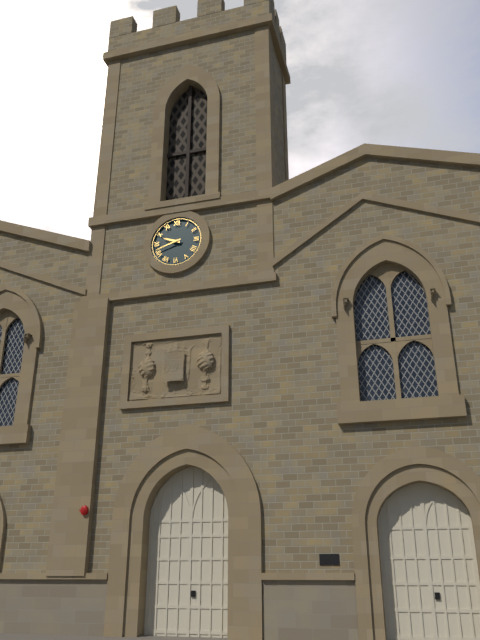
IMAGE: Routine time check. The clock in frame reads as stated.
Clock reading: 9:42
